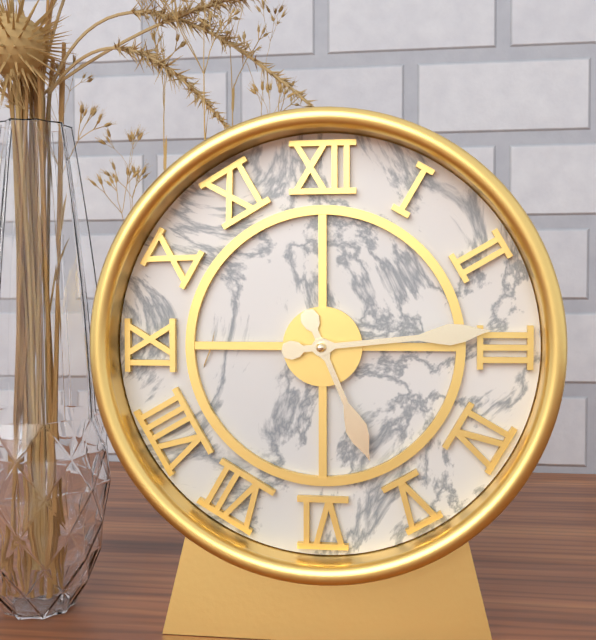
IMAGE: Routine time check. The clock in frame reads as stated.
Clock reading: 5:14
